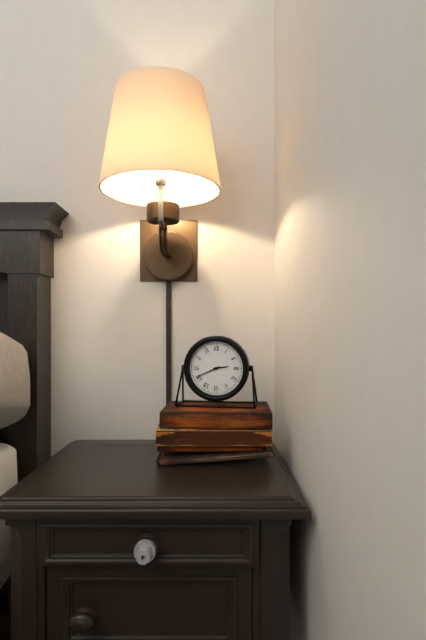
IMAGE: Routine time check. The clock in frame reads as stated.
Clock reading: 2:41
